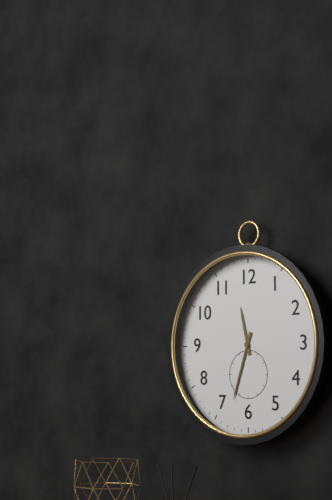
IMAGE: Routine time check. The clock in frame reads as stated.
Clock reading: 11:33
